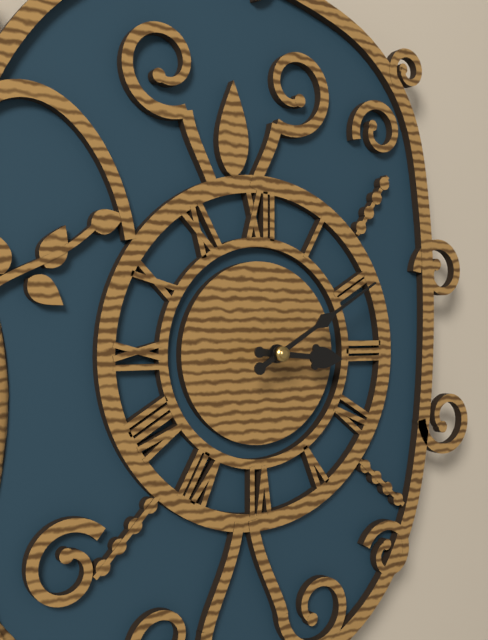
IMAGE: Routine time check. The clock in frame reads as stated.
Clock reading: 3:10
